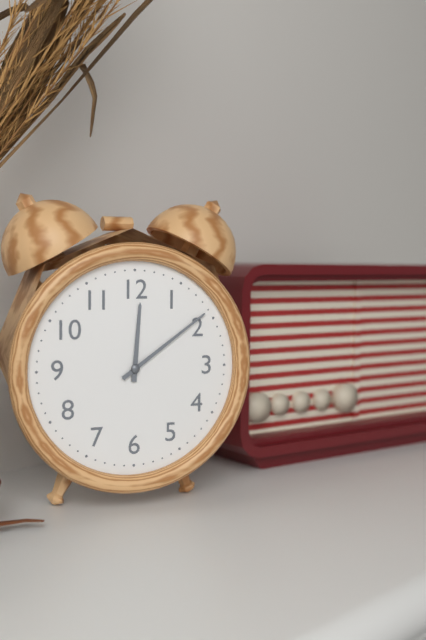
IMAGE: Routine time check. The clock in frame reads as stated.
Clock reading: 12:09
